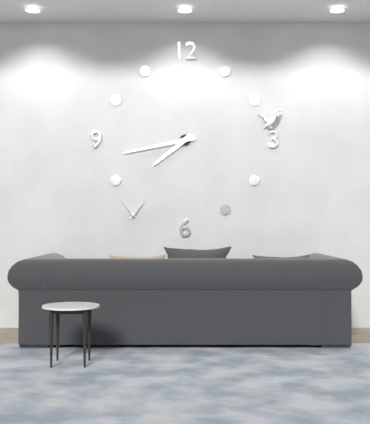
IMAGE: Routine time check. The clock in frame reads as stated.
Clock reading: 7:43
